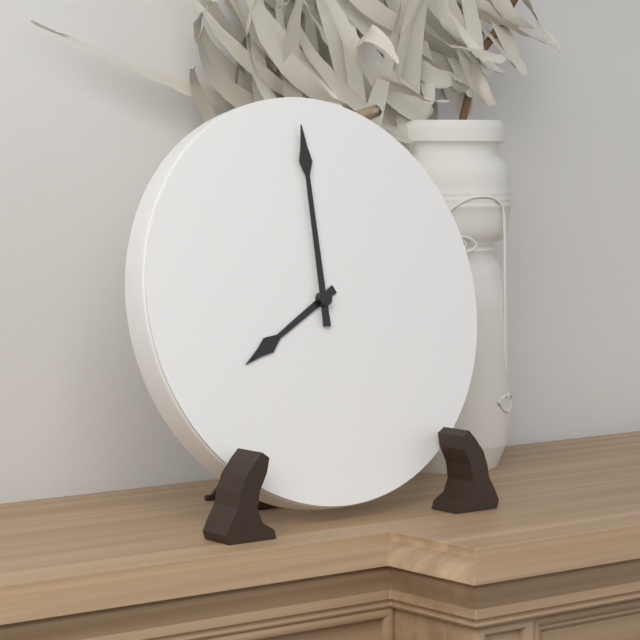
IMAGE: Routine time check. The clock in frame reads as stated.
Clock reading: 8:00
